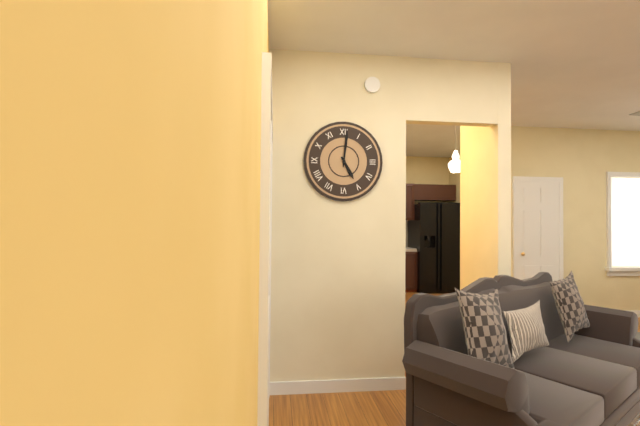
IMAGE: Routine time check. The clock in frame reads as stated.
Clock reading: 5:01
